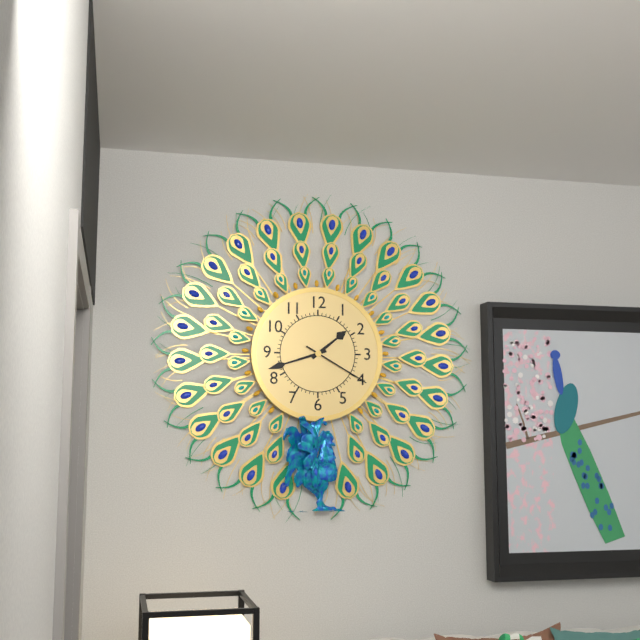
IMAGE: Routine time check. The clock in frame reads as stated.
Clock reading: 1:42:20
